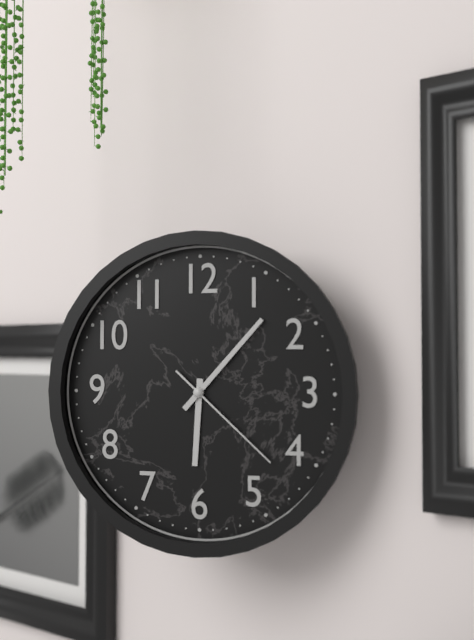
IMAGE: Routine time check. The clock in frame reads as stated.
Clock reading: 6:07:22
